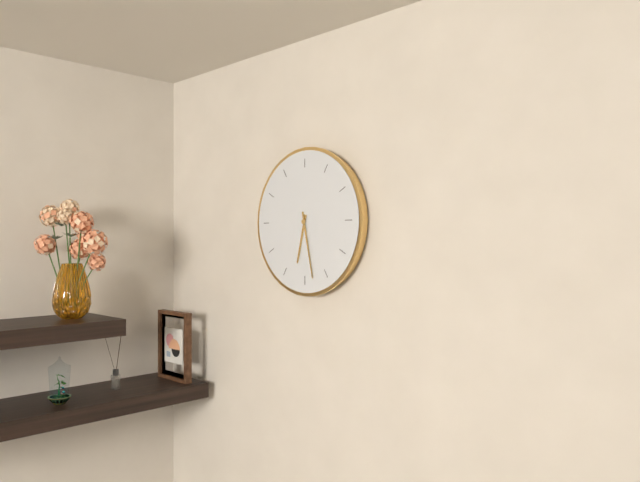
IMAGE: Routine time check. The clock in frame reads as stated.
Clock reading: 6:28
